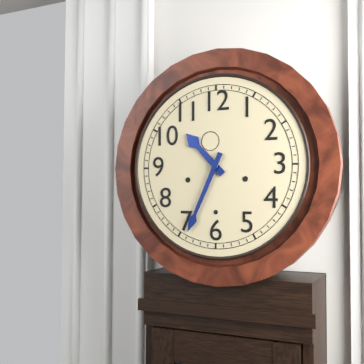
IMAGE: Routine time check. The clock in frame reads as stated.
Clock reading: 10:34
